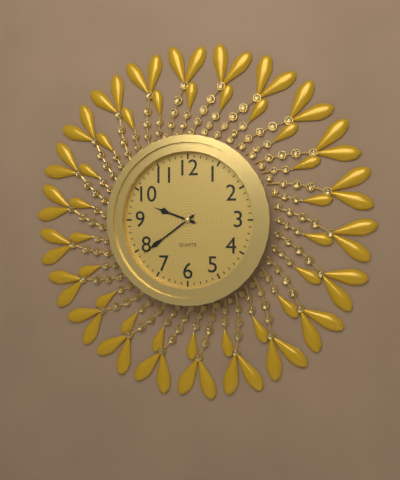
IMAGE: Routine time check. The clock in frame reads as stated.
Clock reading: 9:39
